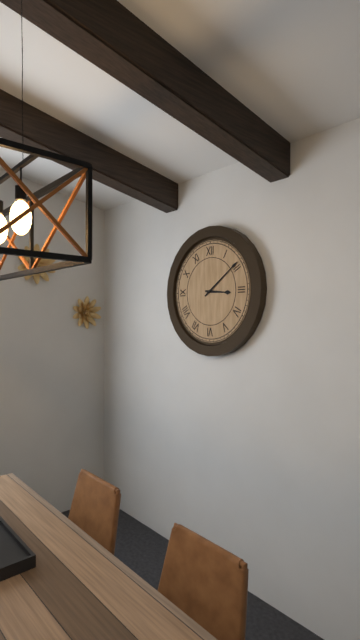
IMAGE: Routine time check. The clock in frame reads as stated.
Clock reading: 3:09
